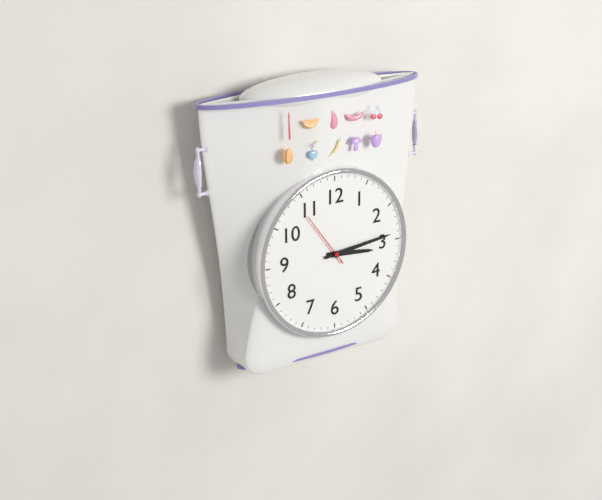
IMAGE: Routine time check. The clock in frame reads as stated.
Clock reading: 3:14:54
